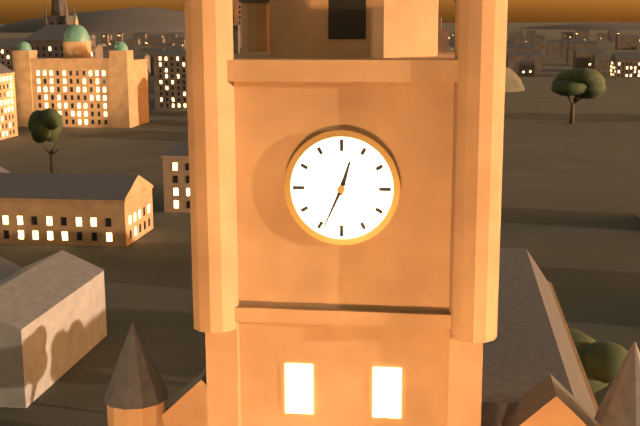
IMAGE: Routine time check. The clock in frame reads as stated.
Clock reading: 12:34
